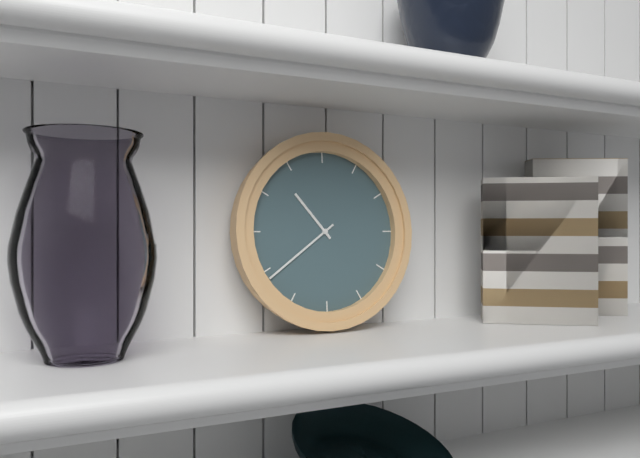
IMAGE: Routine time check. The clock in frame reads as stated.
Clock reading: 10:39
